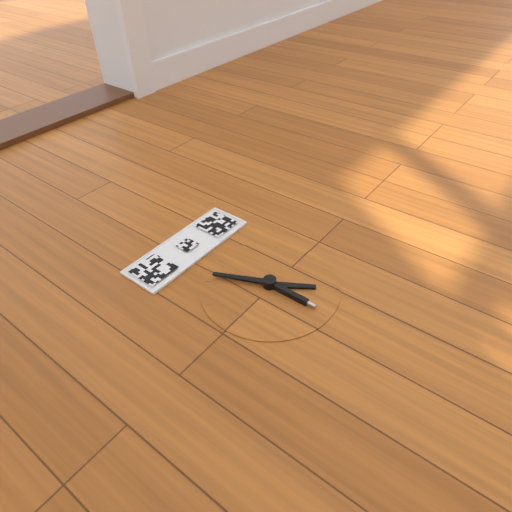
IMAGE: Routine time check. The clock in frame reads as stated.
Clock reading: 4:56
